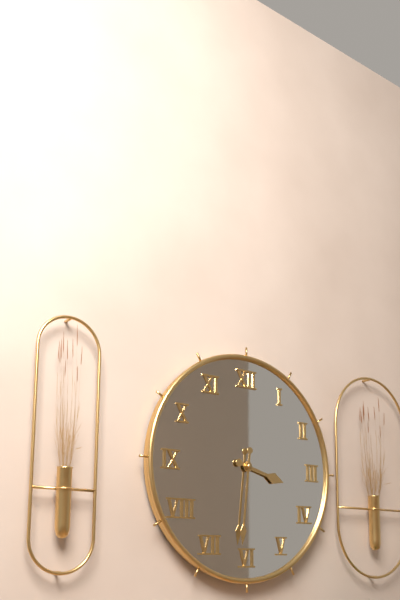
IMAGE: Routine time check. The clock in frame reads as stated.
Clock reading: 3:31
